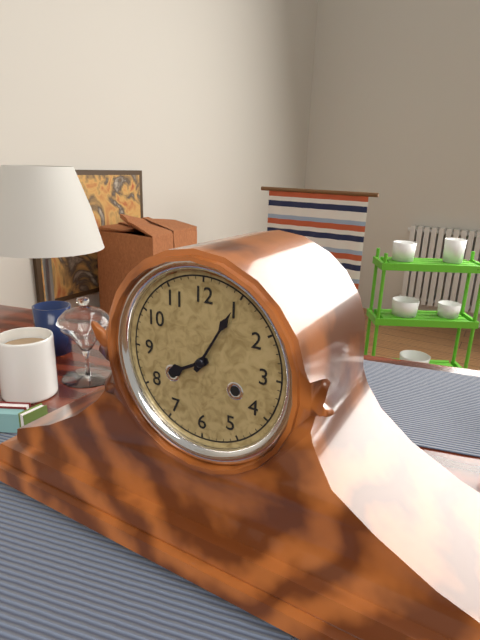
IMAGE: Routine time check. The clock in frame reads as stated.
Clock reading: 8:05
